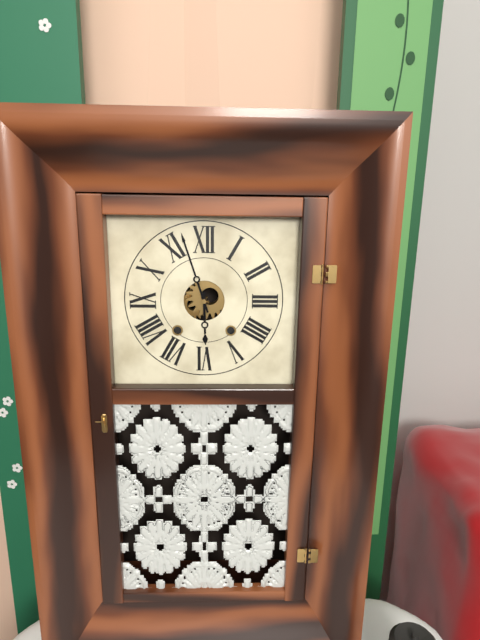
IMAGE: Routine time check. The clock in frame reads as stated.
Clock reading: 5:57
